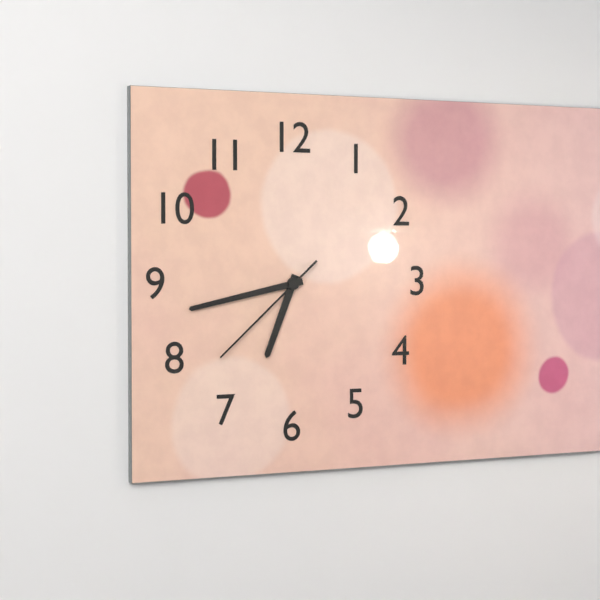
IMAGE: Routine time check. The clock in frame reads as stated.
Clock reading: 6:43:38
